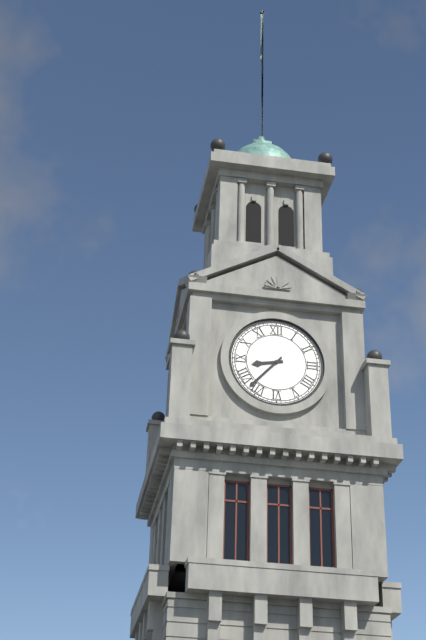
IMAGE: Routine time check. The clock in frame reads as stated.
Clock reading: 8:37
